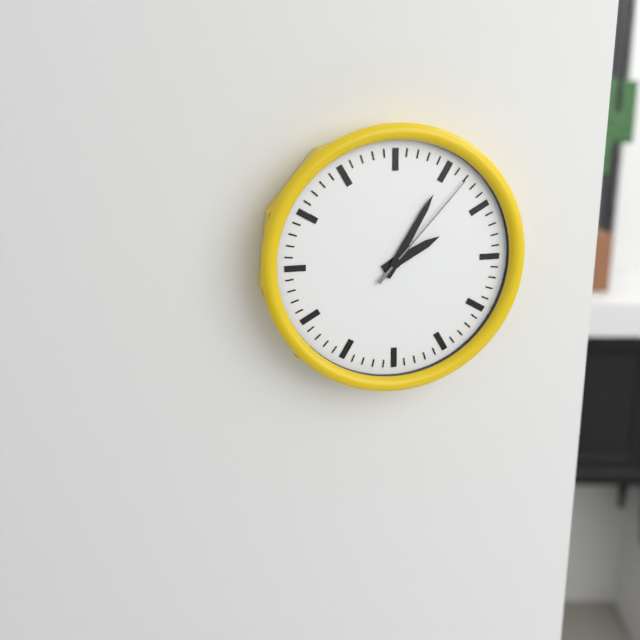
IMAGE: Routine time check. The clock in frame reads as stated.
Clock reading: 2:05:07
